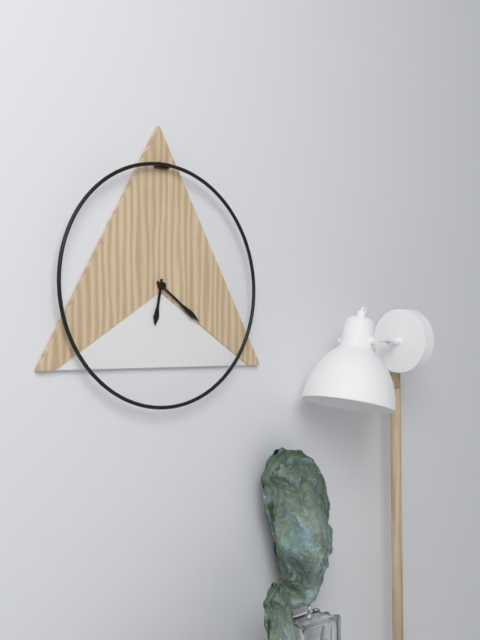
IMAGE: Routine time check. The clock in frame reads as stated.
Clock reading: 6:21
